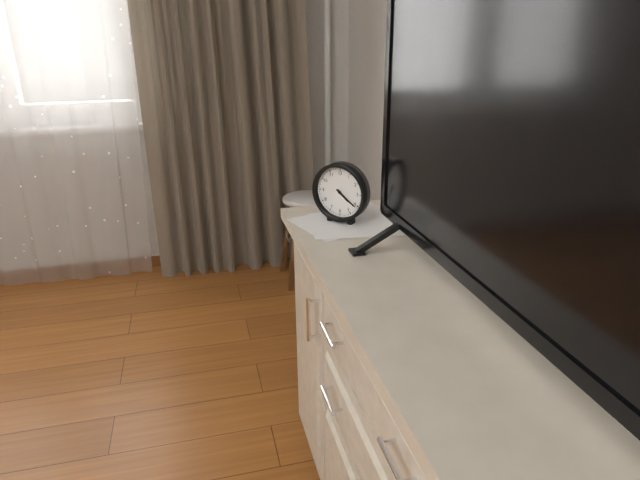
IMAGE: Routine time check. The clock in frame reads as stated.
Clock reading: 4:21
